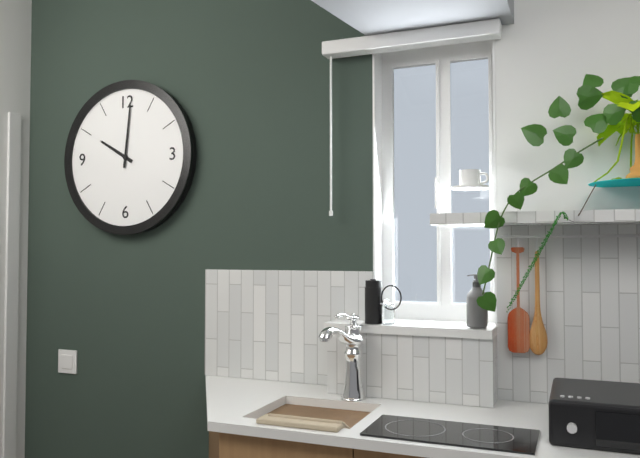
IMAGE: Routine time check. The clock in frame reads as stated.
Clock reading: 10:01
